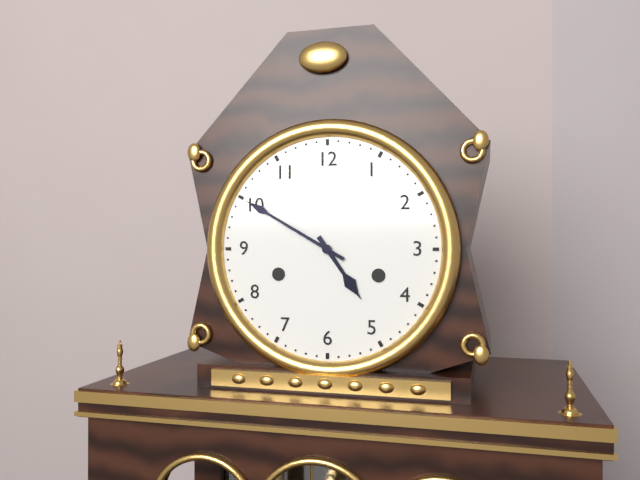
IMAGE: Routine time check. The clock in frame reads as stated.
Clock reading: 4:50
